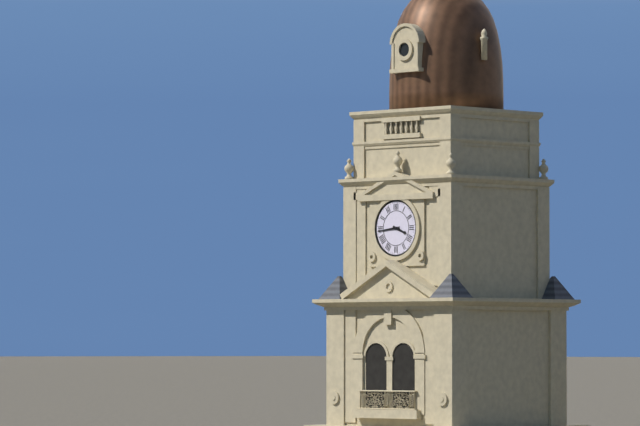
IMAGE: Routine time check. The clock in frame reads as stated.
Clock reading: 3:44
